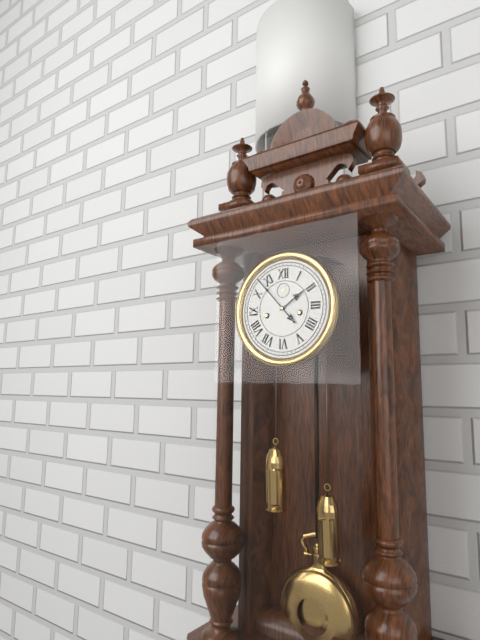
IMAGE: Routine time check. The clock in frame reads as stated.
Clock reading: 1:53
